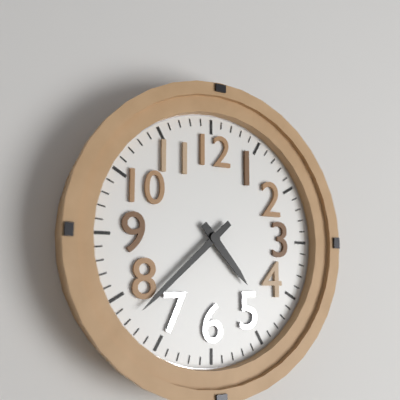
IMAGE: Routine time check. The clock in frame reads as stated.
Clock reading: 4:38
